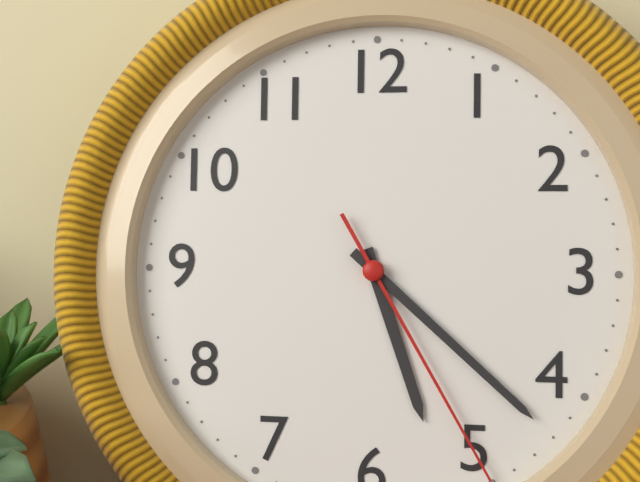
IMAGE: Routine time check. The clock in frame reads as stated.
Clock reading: 5:22:25
